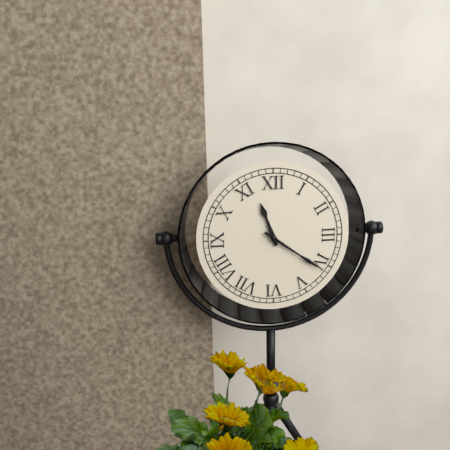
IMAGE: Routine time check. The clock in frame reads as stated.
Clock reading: 11:21
